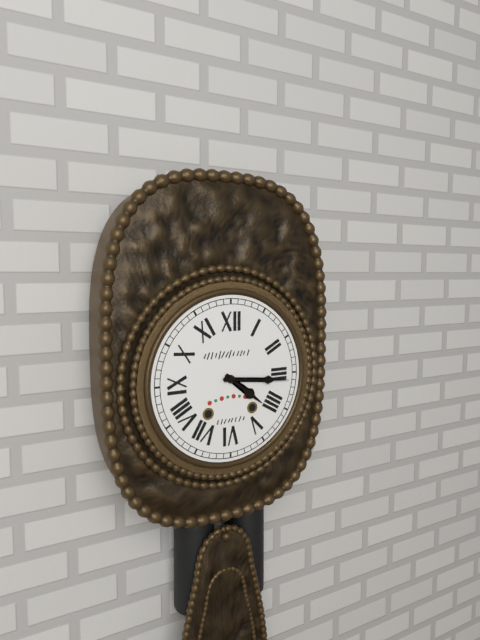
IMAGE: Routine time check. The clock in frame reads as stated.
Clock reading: 4:16
